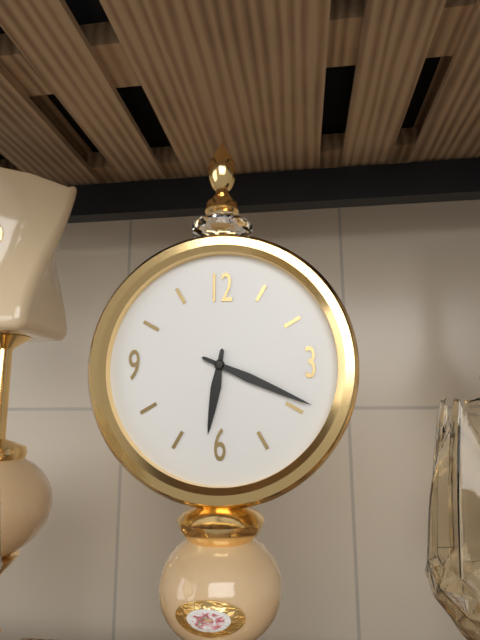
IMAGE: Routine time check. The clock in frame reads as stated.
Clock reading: 6:19
